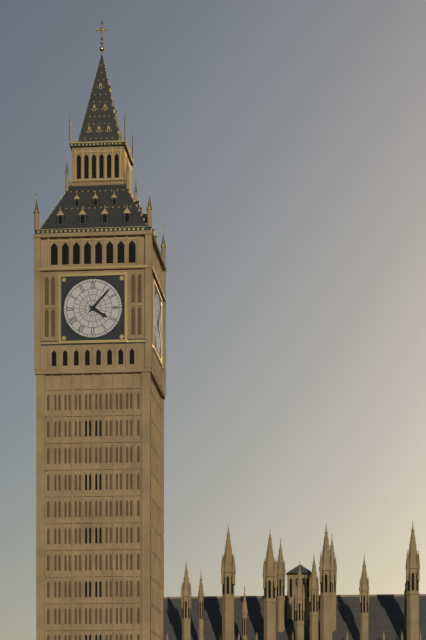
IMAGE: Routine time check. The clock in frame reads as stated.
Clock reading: 4:07
